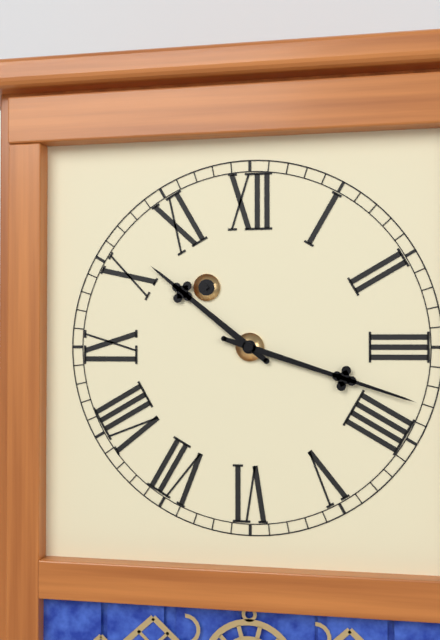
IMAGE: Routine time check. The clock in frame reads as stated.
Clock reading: 10:18
